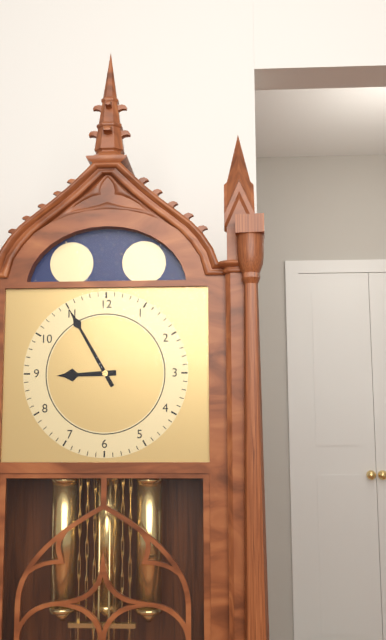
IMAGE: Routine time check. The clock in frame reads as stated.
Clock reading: 8:55
